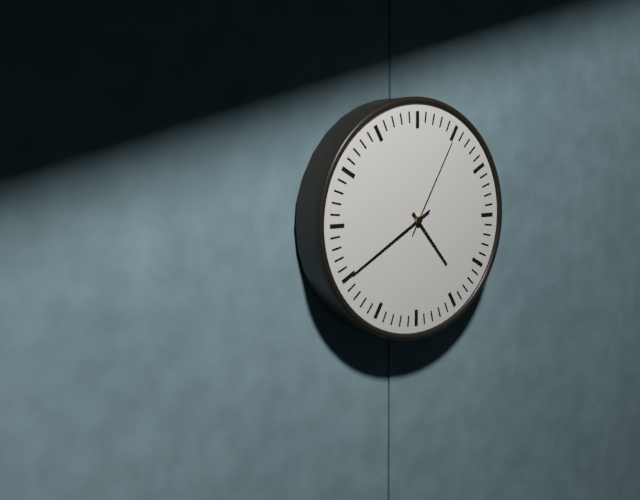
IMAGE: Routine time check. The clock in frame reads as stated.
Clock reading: 4:40:05
